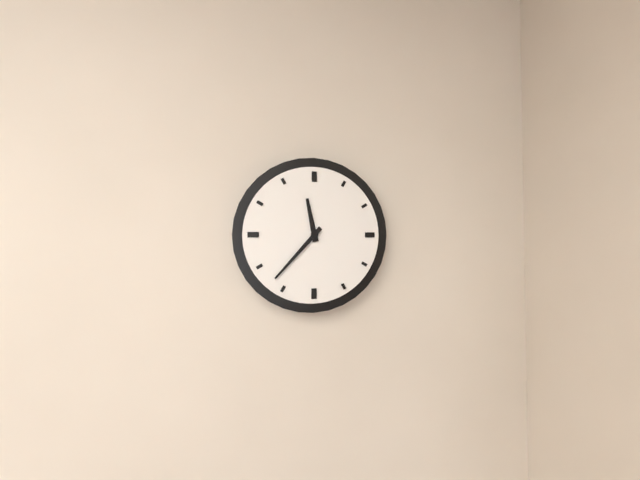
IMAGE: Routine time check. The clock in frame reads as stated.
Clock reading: 11:37
